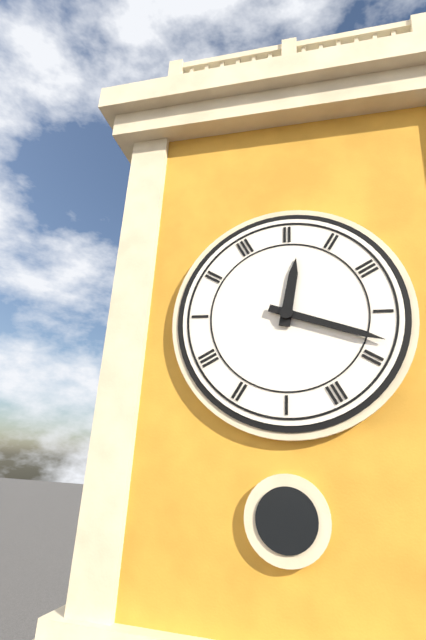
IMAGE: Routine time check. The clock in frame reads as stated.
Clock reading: 12:18
